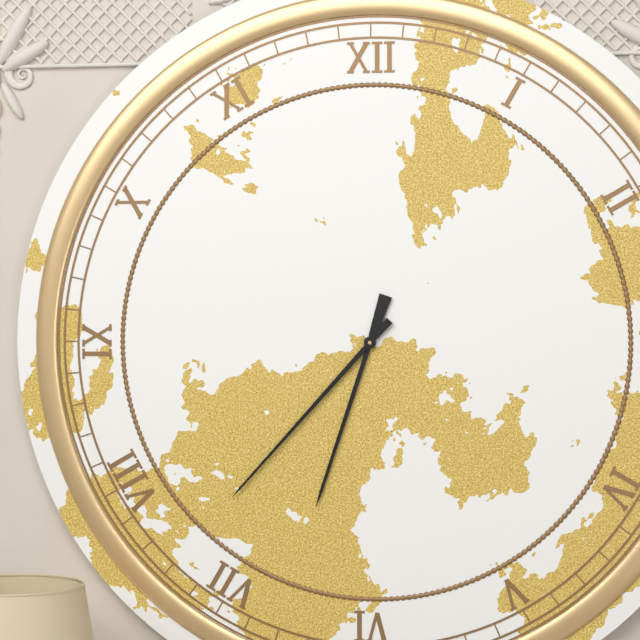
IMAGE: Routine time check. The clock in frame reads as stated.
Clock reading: 6:37
